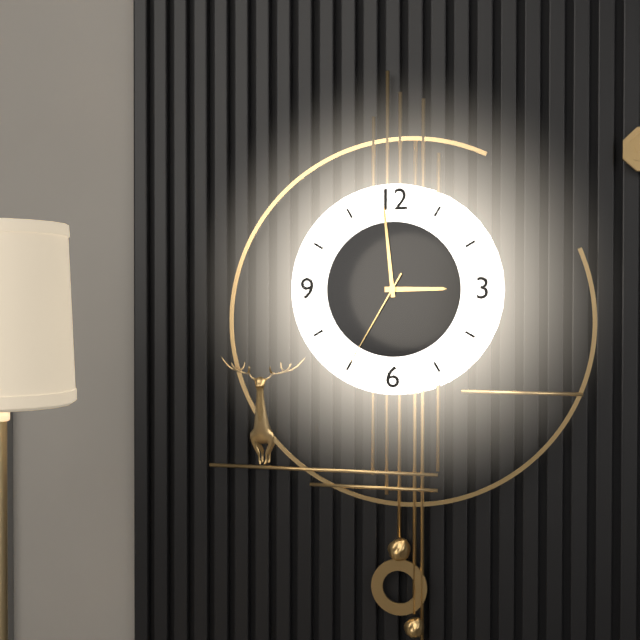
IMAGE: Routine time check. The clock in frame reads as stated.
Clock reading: 2:59:35
